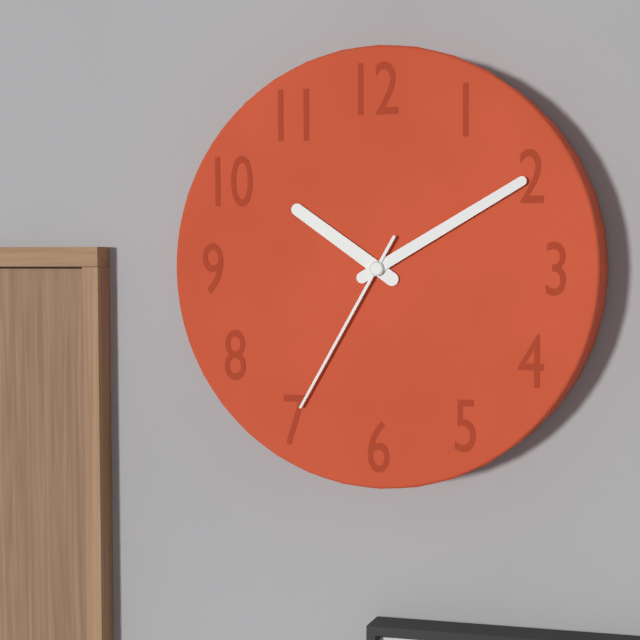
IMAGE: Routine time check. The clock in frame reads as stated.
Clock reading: 10:10:35
